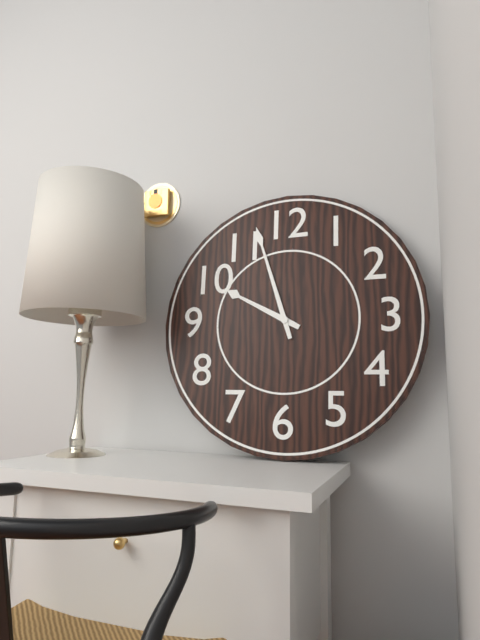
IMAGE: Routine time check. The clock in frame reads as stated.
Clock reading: 9:57
